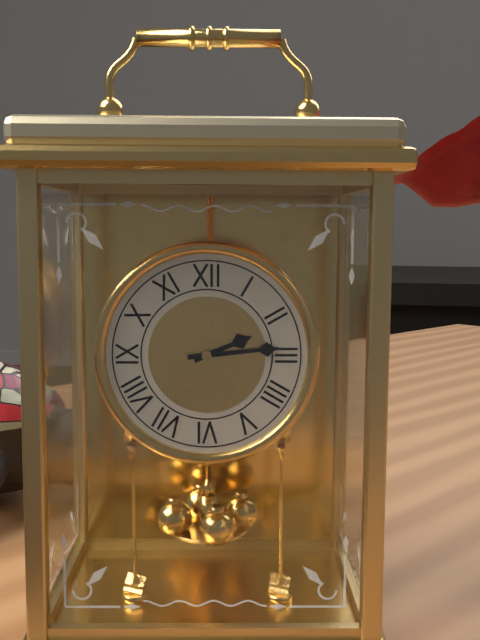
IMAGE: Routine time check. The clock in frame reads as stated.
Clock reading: 2:14
